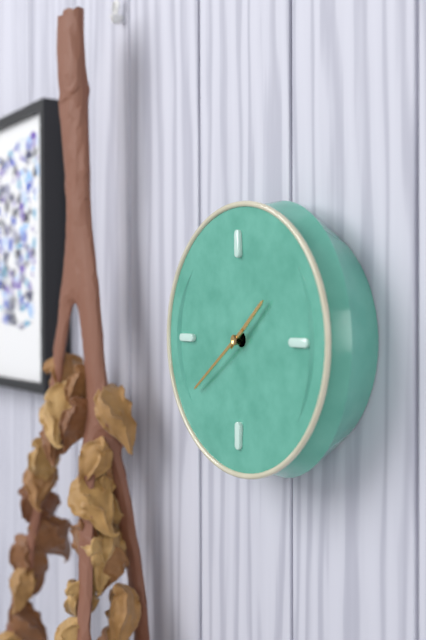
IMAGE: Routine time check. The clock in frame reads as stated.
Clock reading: 1:39
